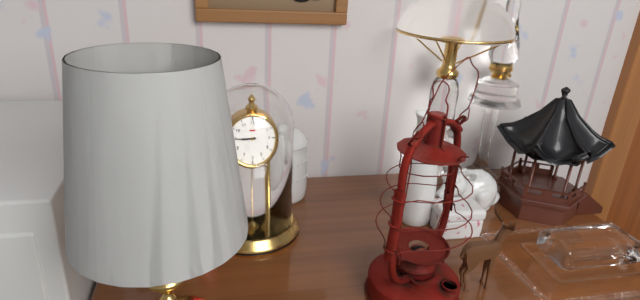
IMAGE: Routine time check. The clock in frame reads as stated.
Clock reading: 8:45
